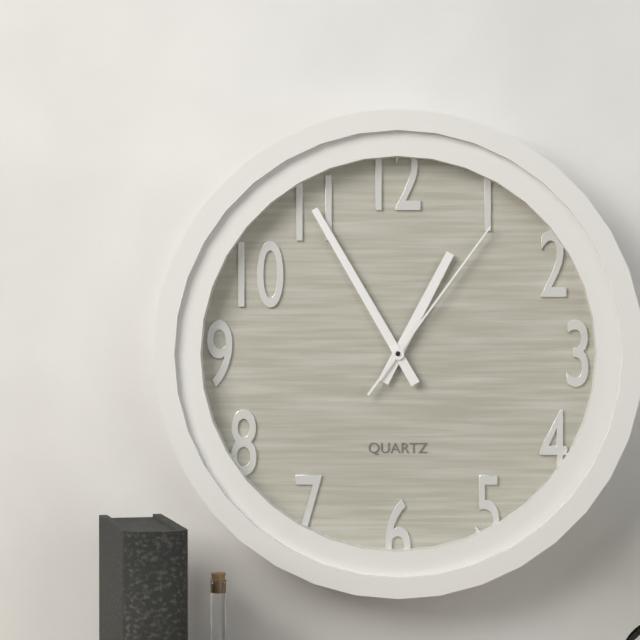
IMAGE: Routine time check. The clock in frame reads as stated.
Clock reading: 12:55:06
